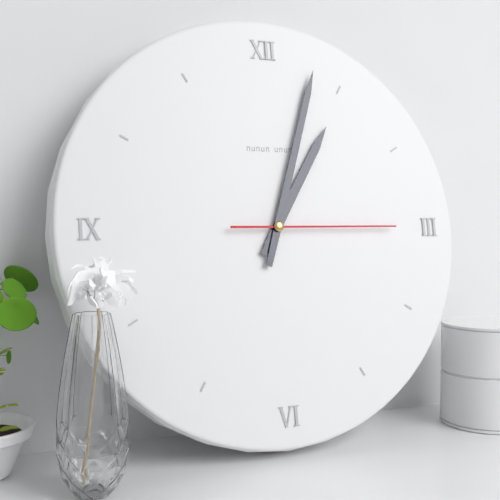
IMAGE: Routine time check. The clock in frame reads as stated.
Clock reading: 1:03:15
